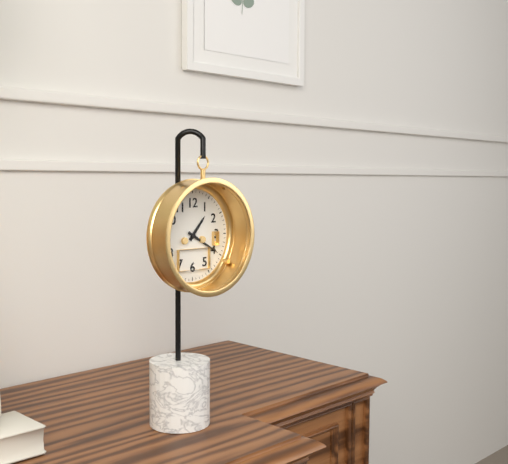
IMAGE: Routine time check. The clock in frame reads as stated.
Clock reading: 1:20
